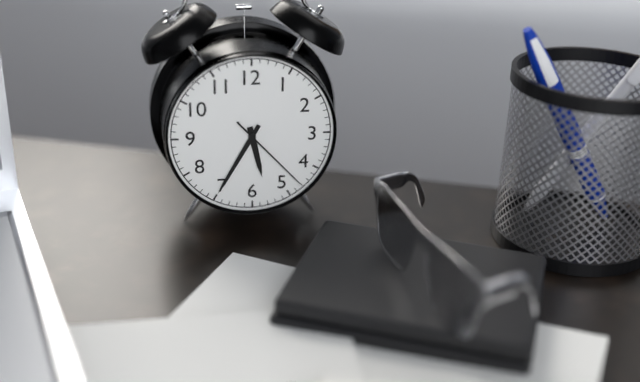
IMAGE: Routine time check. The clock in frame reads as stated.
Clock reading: 5:35:23
